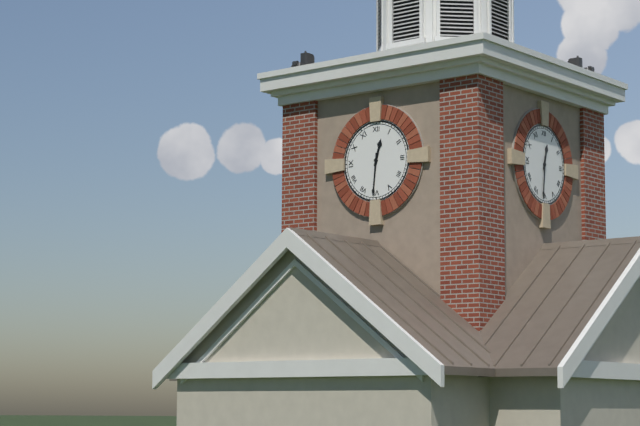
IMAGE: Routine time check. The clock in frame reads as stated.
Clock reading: 12:31
